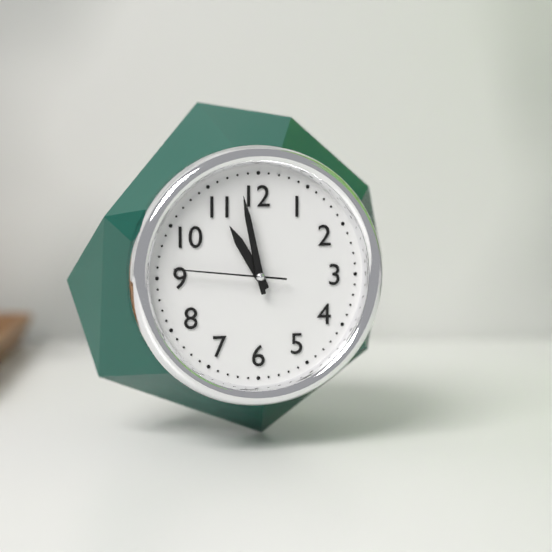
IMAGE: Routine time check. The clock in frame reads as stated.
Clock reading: 10:58:46
